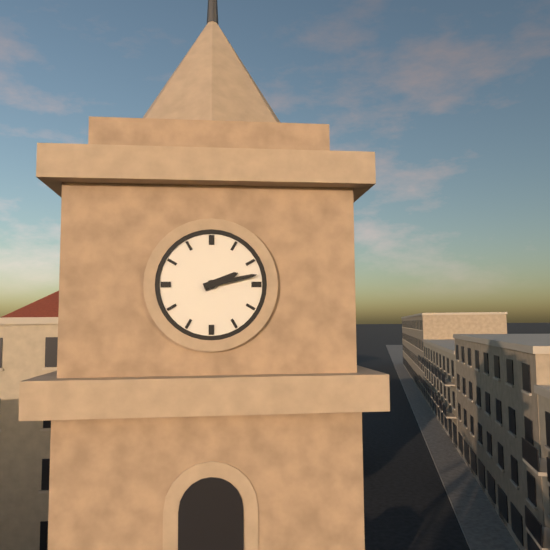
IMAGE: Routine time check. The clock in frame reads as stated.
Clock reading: 2:13
